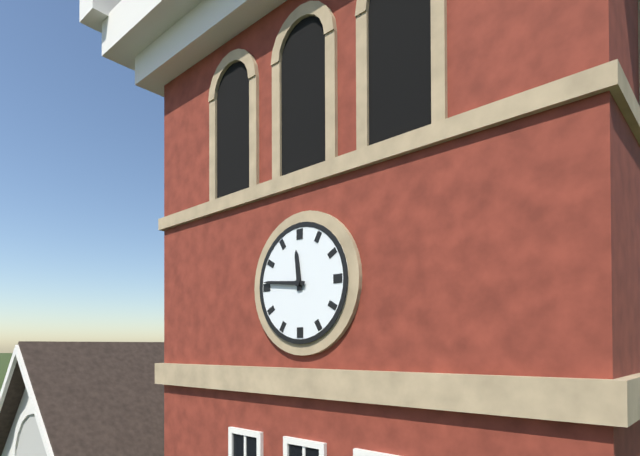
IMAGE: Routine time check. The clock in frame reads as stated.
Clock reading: 11:46
